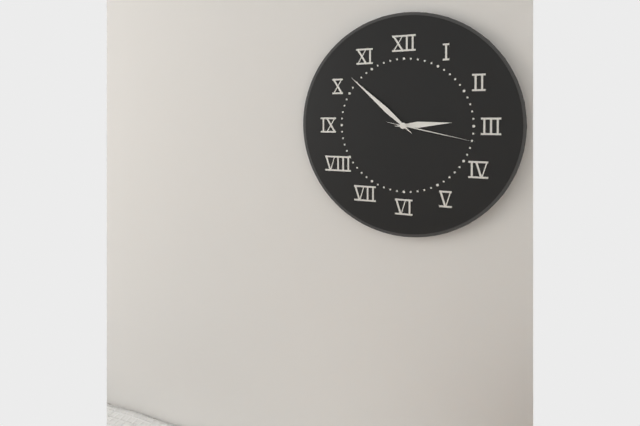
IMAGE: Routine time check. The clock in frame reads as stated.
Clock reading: 2:52:17
